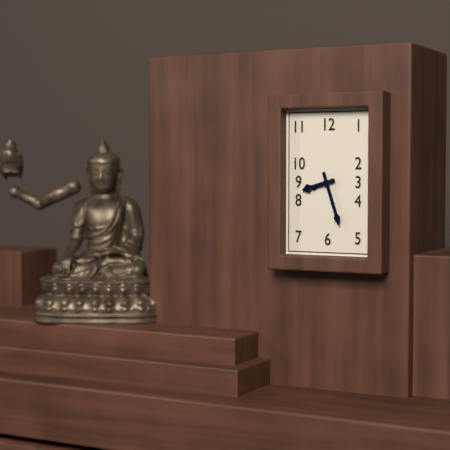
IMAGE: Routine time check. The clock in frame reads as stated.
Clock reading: 8:27
